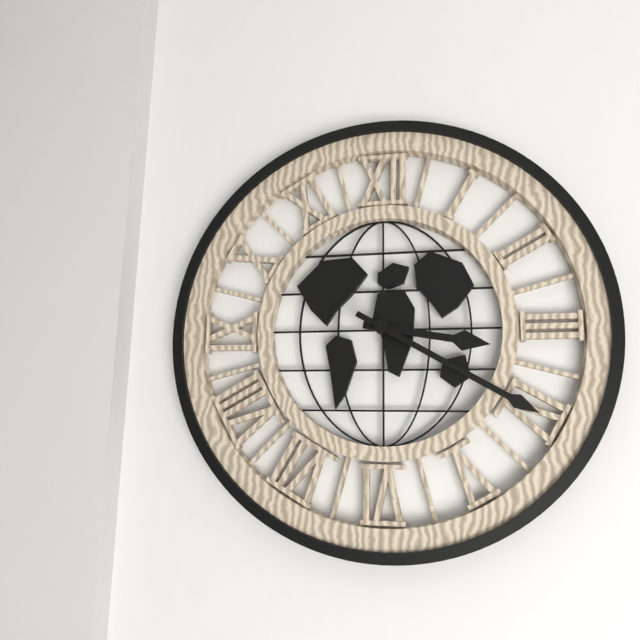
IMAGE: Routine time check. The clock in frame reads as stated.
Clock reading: 3:20
